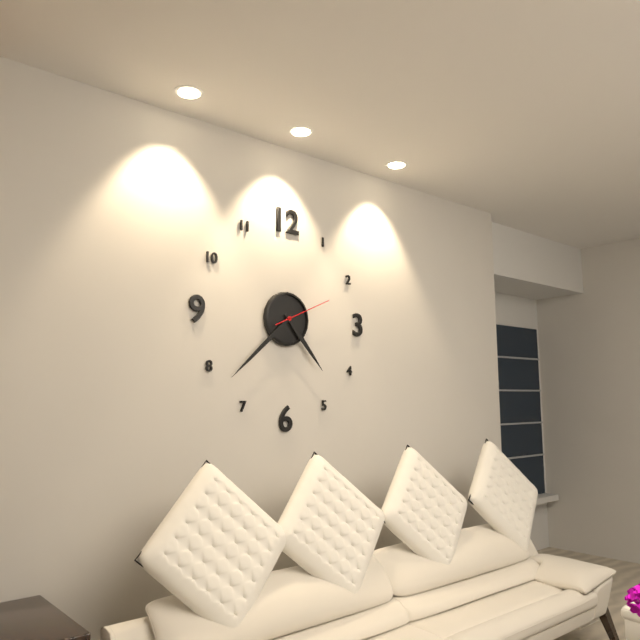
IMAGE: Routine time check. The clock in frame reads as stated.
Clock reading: 4:38:11
